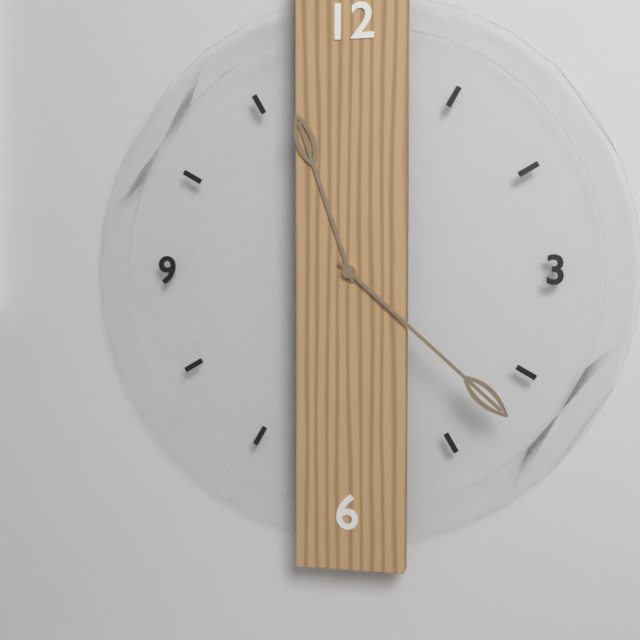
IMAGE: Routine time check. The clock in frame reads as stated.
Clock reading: 11:22
